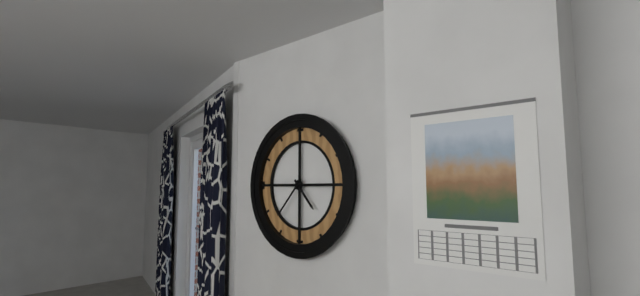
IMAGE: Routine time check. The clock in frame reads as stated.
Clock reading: 4:37
